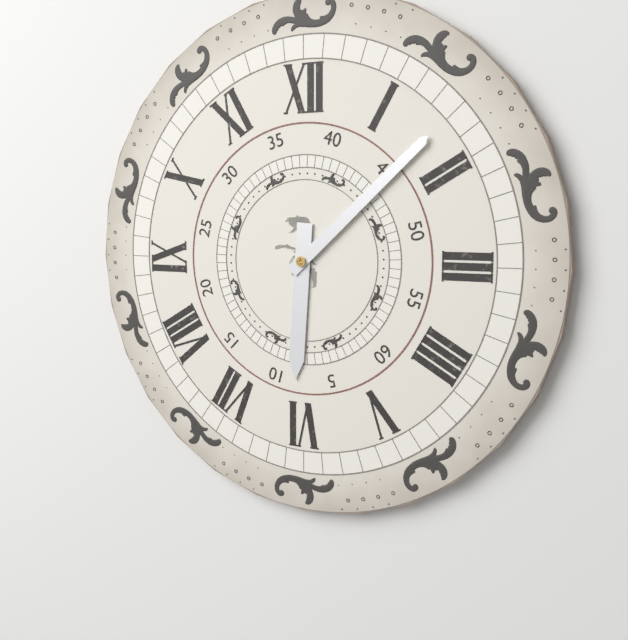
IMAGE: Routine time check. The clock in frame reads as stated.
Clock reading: 6:08
